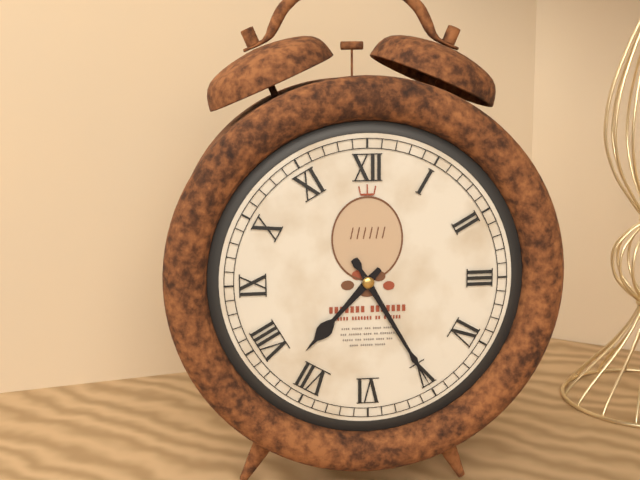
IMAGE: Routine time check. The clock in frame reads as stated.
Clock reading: 7:25
